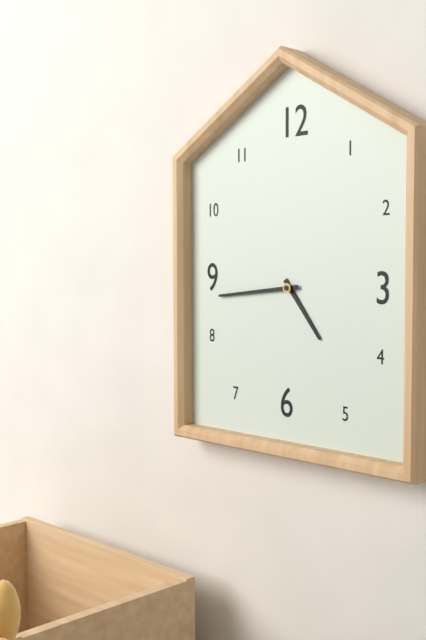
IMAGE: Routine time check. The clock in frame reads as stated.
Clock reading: 4:44
